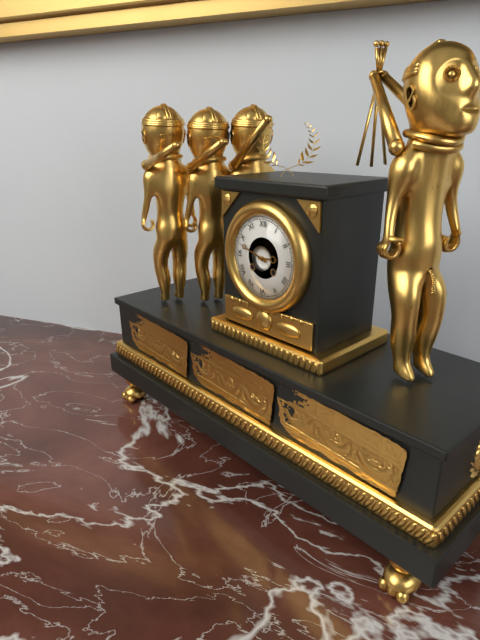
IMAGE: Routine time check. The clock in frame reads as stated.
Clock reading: 2:48
